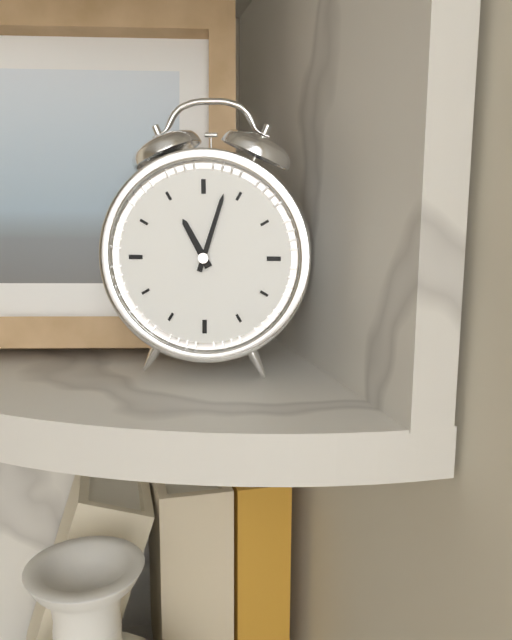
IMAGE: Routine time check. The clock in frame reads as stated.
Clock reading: 11:03
